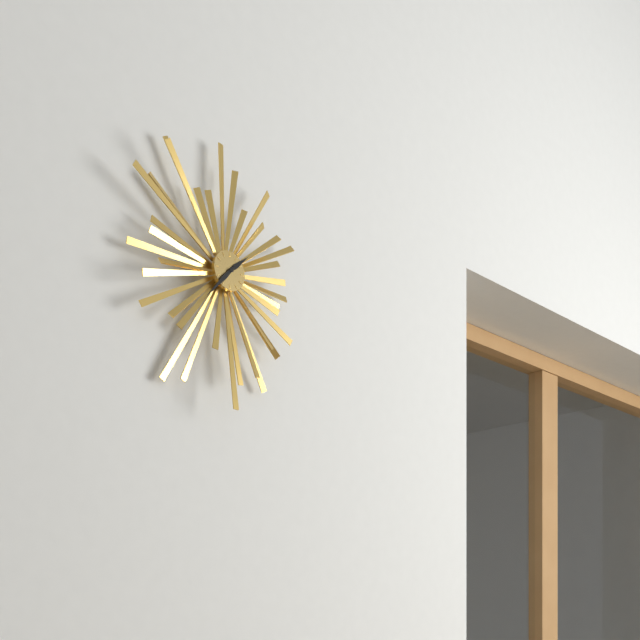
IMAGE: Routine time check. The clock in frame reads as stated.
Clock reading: 1:37
